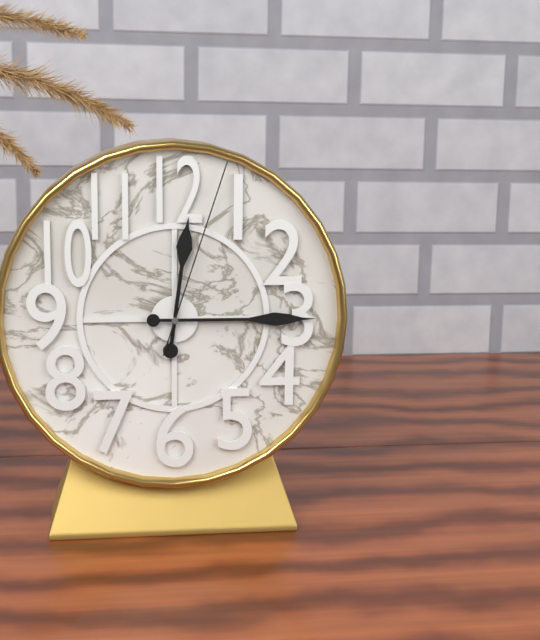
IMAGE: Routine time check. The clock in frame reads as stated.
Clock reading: 12:15:03
